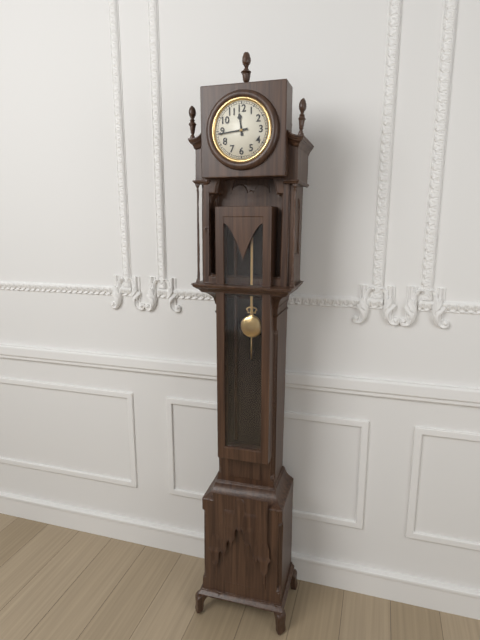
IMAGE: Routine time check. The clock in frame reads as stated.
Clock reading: 11:44
